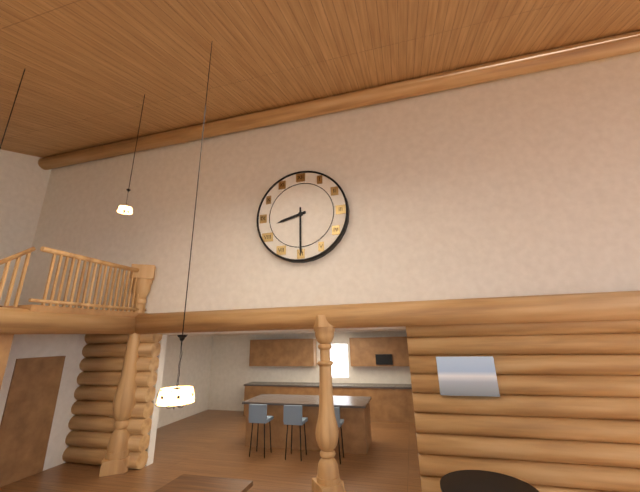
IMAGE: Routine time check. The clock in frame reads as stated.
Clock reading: 8:30
